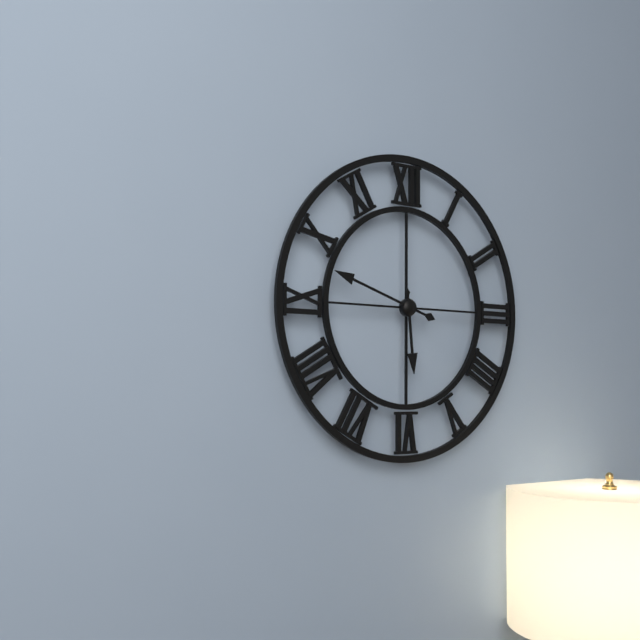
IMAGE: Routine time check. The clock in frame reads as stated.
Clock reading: 5:48
